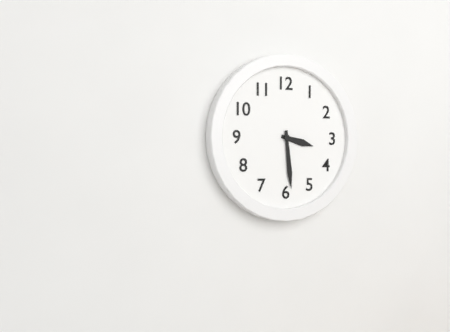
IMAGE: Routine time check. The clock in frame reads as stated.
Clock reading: 3:29
